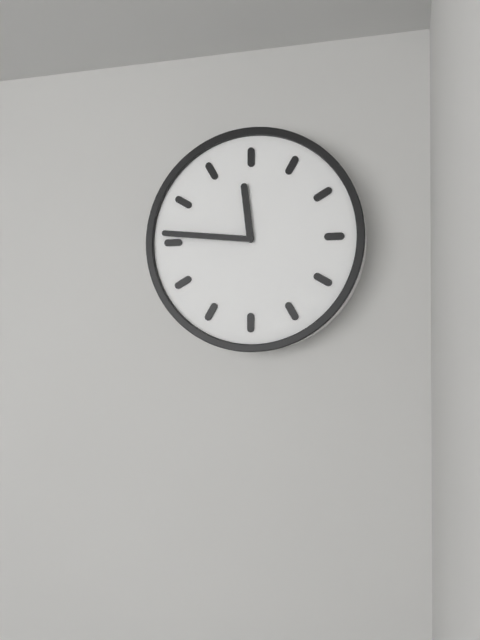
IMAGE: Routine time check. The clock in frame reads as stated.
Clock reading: 11:46
